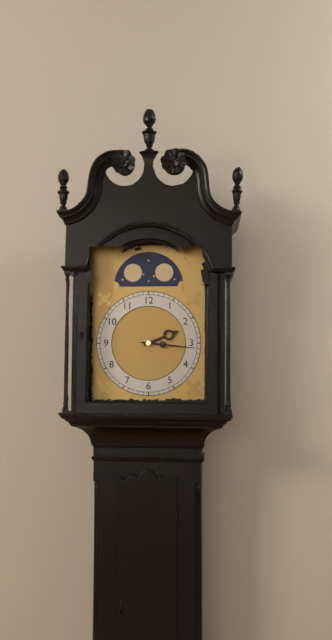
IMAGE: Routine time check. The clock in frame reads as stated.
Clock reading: 2:16
